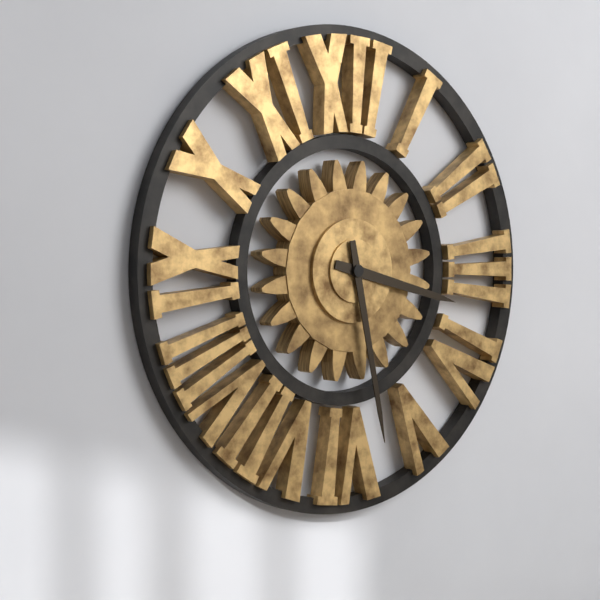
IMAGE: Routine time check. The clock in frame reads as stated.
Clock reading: 3:28
